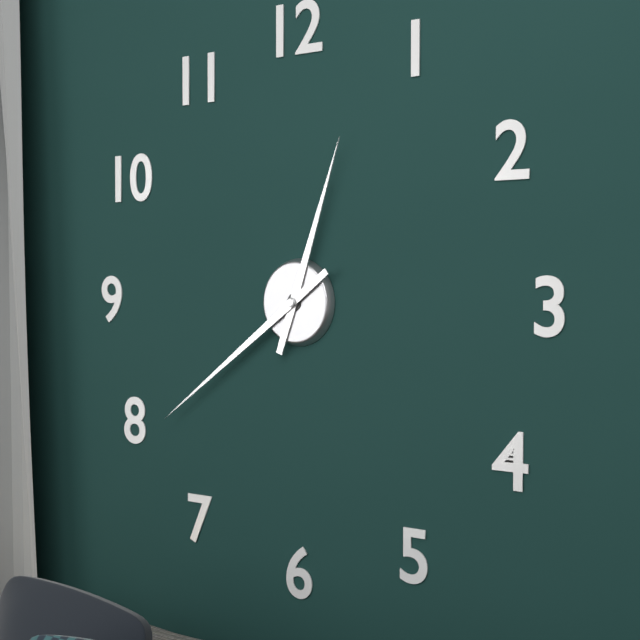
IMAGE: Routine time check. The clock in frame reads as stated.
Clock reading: 12:39
